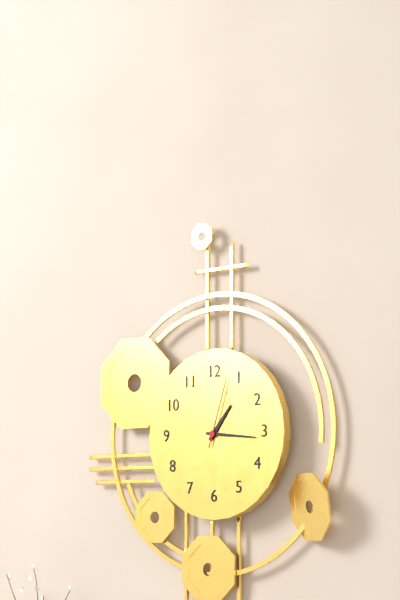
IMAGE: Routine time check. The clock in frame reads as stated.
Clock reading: 1:16:03
